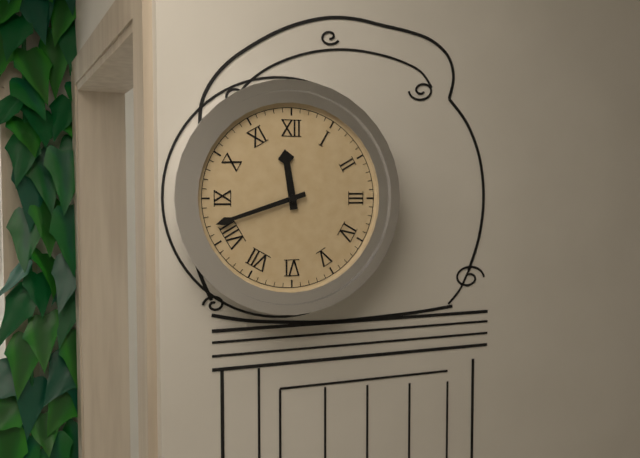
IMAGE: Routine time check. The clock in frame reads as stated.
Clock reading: 11:42
